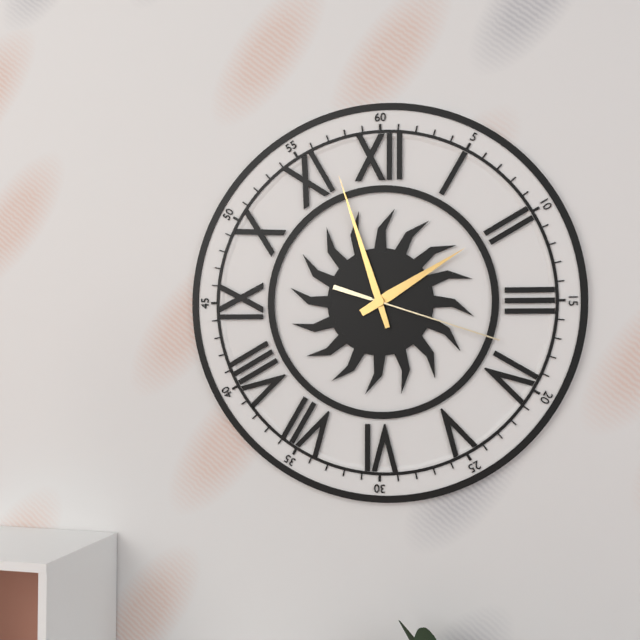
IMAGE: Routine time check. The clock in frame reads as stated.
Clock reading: 1:57:18
